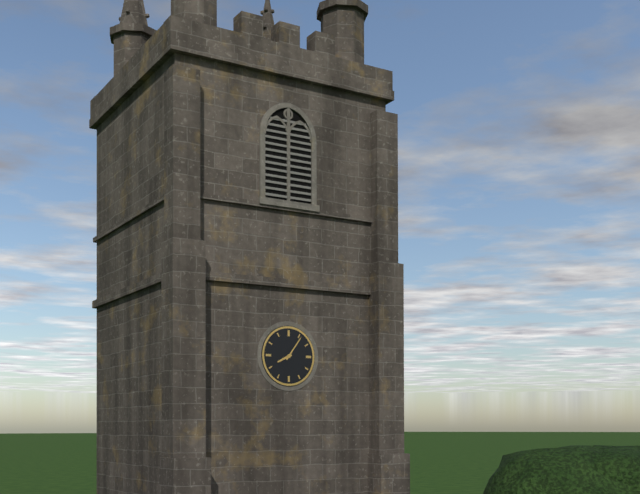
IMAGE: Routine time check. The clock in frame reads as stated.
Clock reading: 8:06
